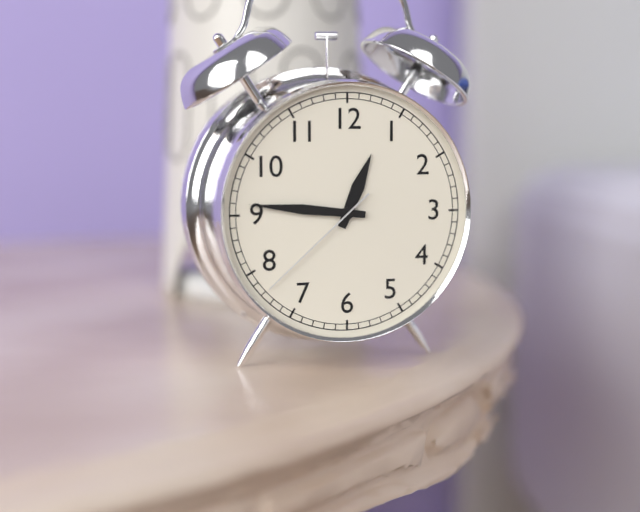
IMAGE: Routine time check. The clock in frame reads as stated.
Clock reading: 12:46:38
